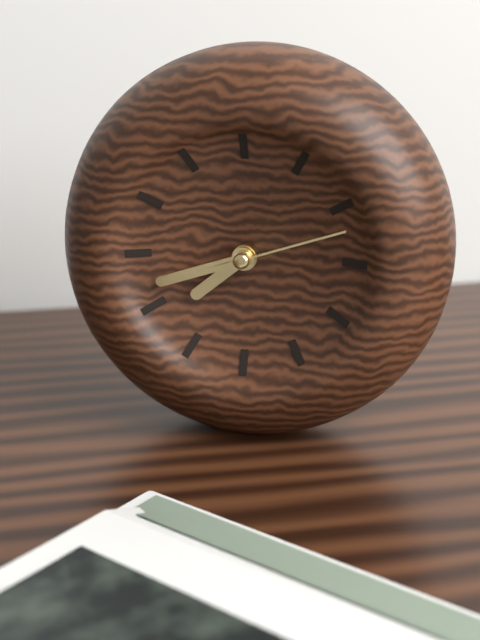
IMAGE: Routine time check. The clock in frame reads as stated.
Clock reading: 7:42:12
